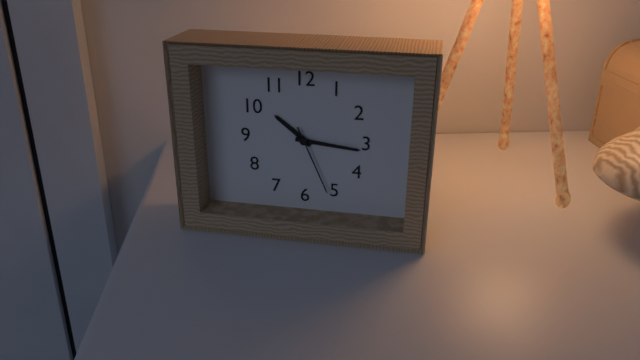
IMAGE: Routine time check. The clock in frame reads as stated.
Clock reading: 10:16:26
